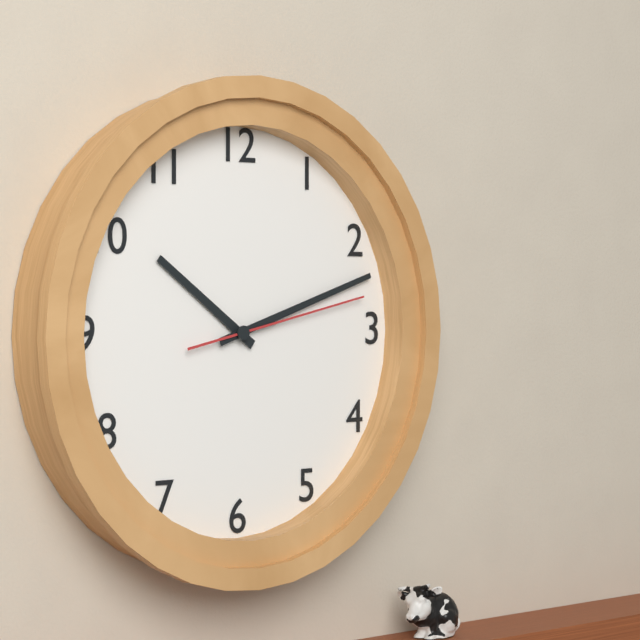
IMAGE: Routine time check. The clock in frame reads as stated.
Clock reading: 10:12:13
